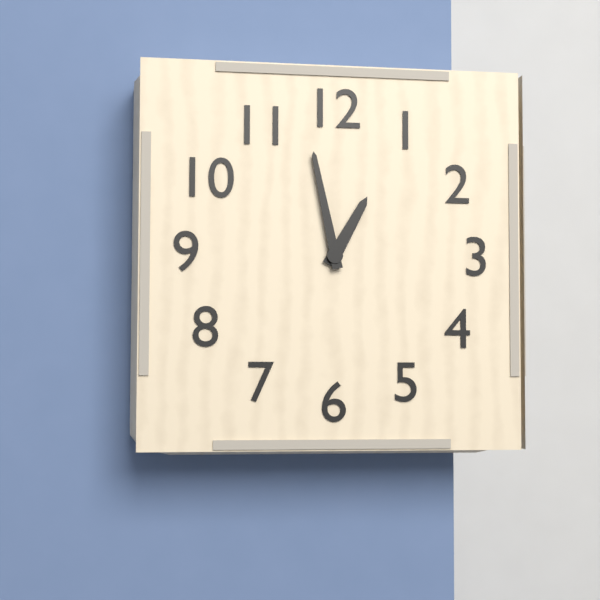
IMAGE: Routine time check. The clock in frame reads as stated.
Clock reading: 12:58
